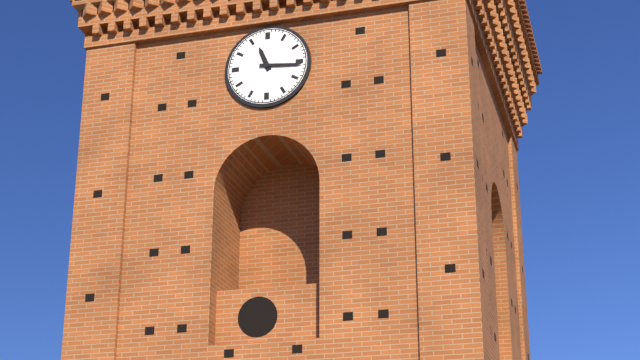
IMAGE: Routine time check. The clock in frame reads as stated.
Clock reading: 11:16
